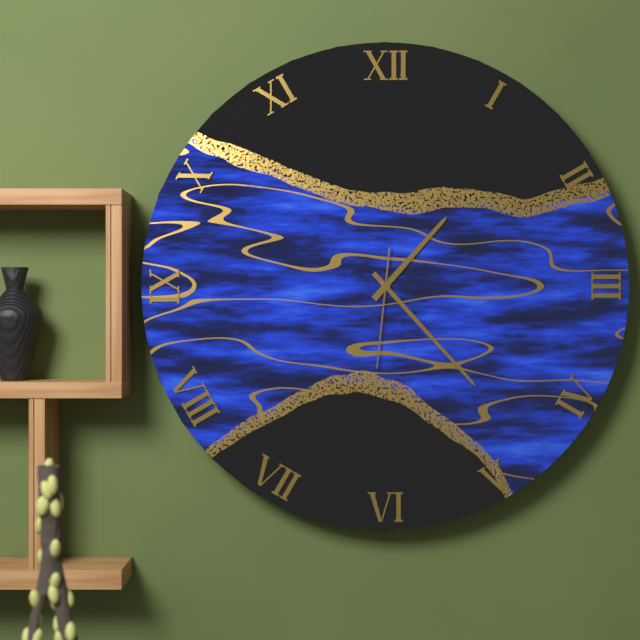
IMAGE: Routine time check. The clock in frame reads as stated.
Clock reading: 1:23:31
